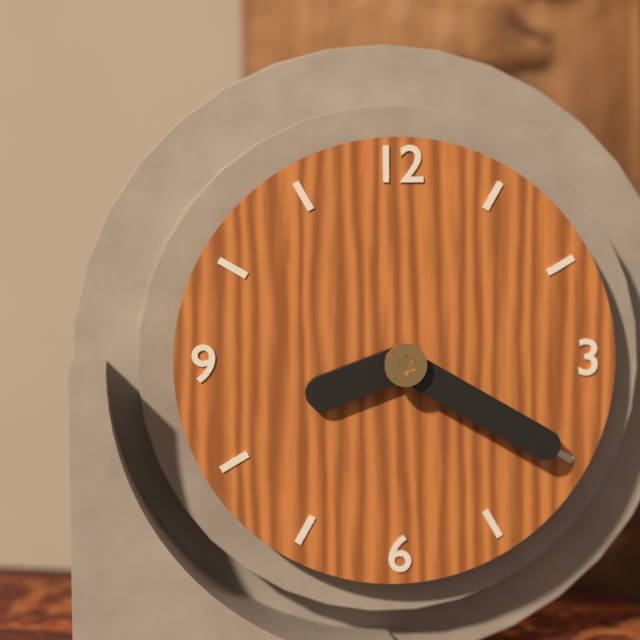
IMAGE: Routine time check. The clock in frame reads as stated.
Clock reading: 8:20
